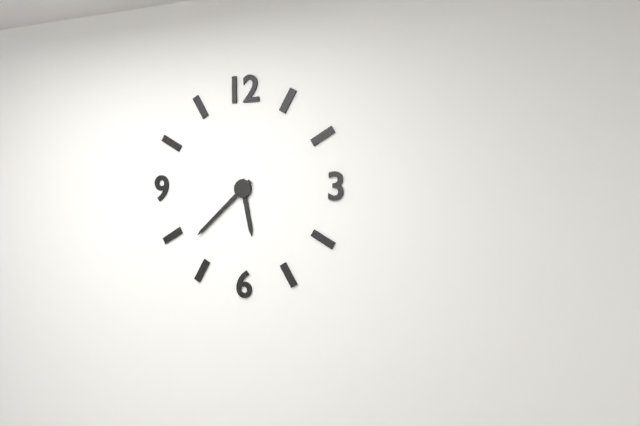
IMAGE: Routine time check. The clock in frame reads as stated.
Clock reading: 5:38
